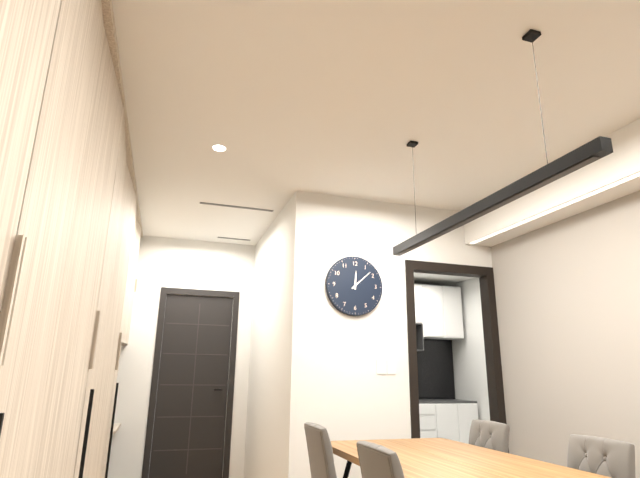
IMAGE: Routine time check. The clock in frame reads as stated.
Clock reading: 12:08
